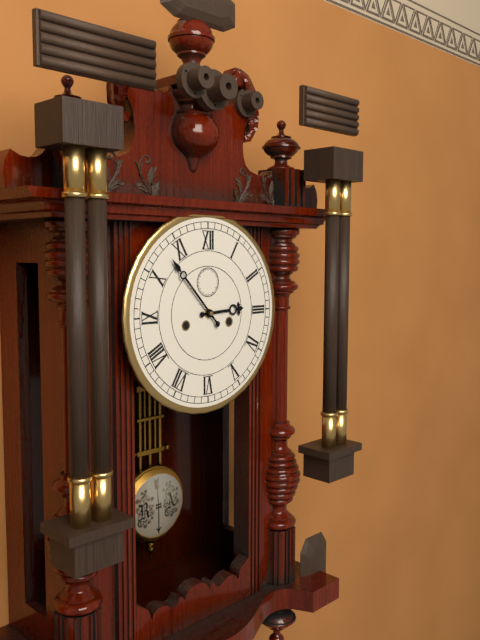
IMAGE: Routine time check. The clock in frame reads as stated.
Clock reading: 2:53
